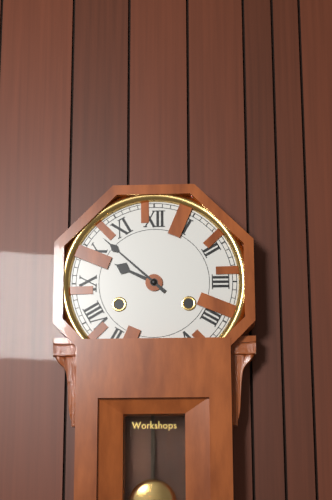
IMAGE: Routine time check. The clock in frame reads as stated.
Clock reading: 9:52
